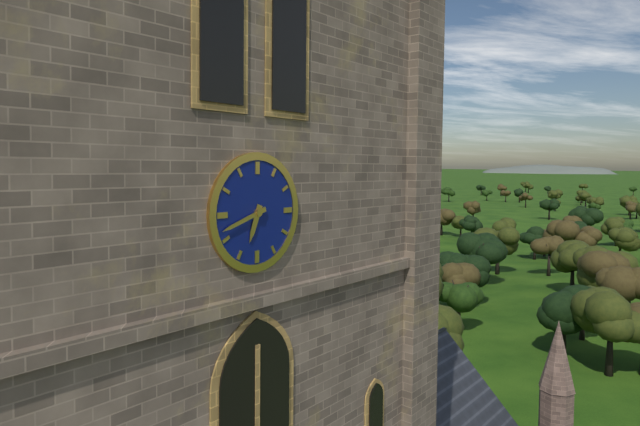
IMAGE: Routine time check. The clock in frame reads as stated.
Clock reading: 6:42
